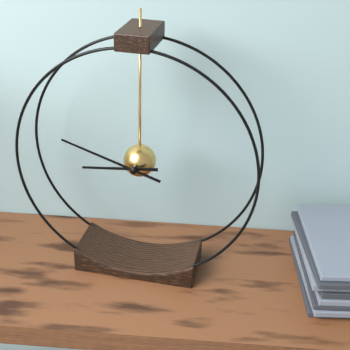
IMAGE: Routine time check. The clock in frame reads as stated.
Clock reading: 8:48
